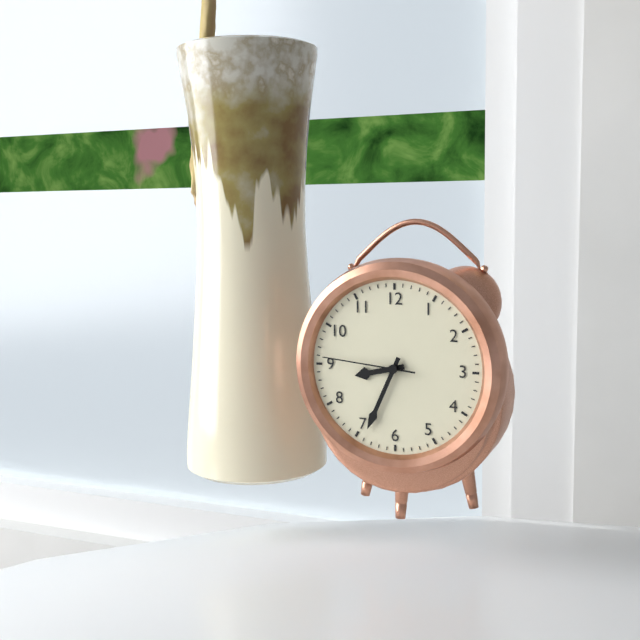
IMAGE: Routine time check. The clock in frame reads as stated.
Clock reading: 8:34:46
